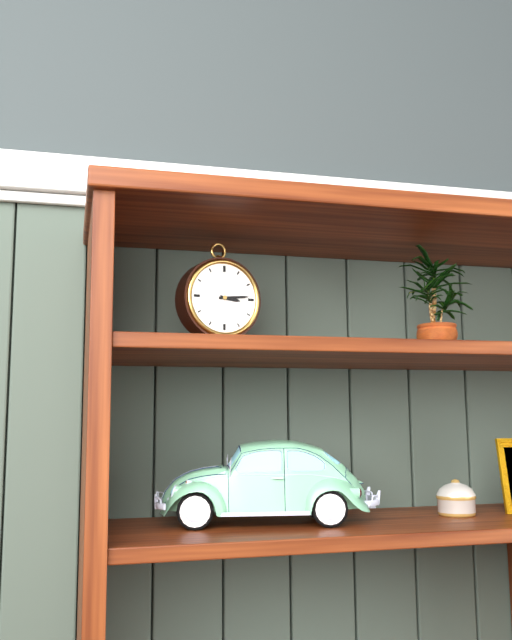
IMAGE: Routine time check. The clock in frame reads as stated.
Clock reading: 3:14
